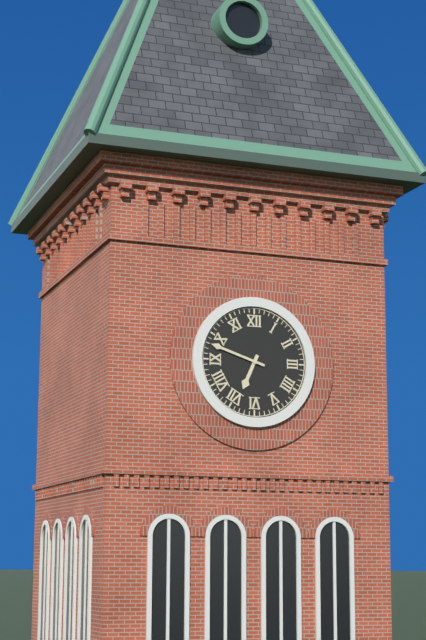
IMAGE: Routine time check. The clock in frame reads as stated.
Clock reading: 6:48
